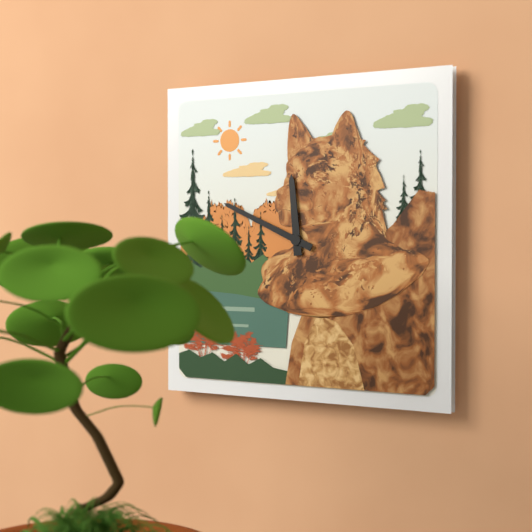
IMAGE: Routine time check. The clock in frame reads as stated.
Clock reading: 11:49
